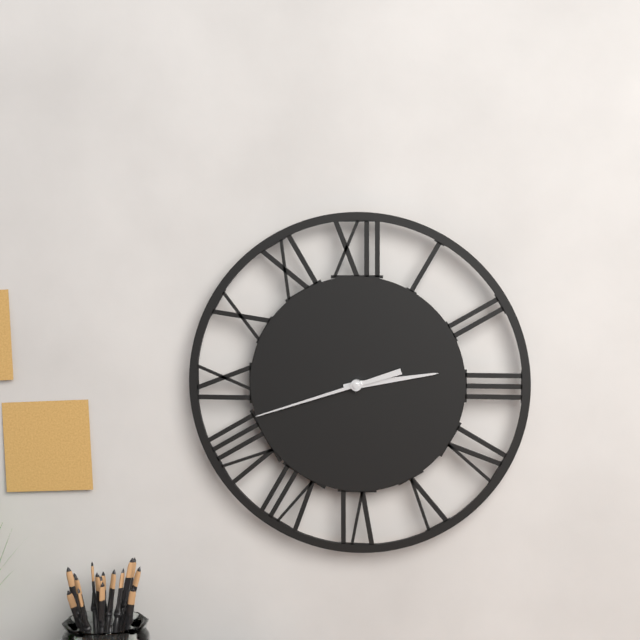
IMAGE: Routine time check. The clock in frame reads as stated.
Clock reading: 2:42
